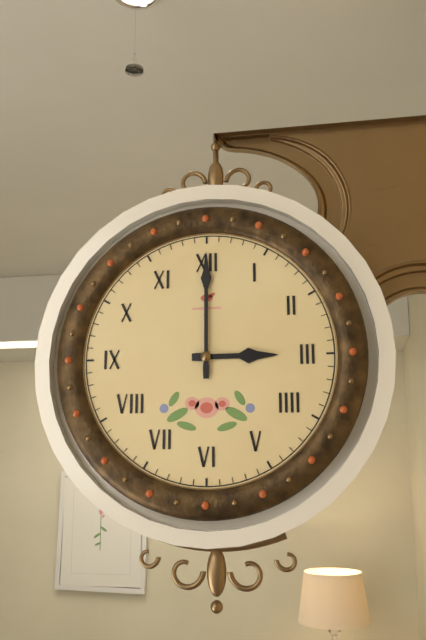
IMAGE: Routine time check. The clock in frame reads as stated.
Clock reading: 3:00
